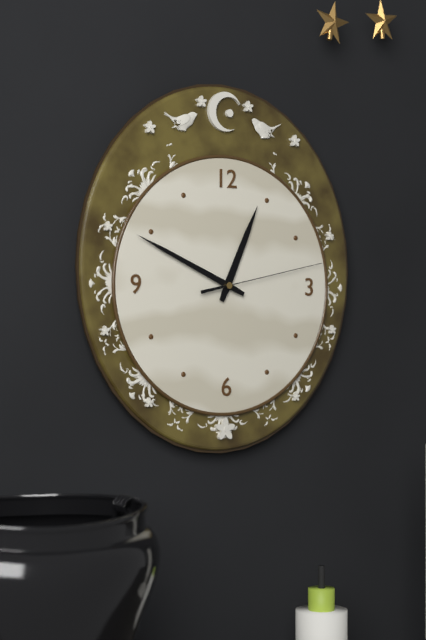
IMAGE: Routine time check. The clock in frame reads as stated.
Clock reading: 12:49:13
